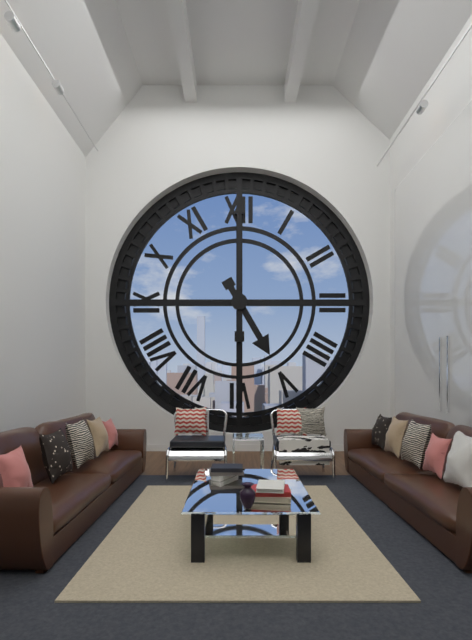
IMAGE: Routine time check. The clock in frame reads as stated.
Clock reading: 5:00
